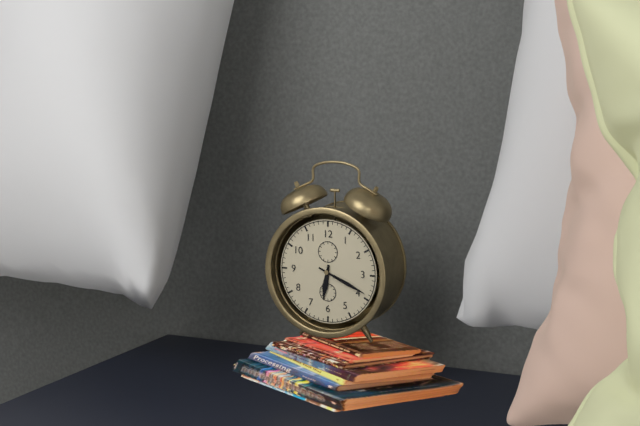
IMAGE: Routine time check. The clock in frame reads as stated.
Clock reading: 6:19
